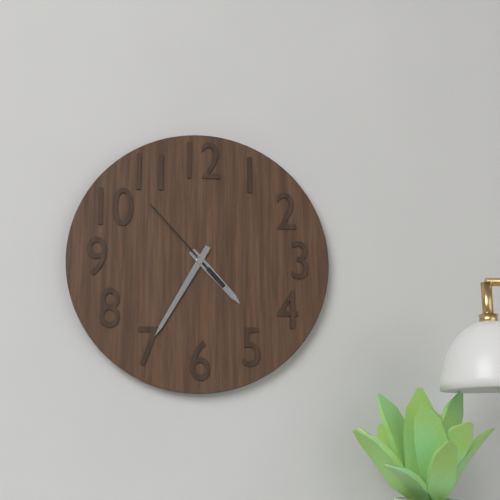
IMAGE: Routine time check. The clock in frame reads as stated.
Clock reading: 4:35:53
